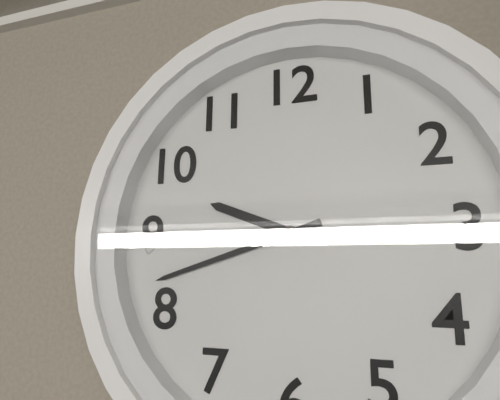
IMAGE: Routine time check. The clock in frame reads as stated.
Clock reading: 9:42:45
